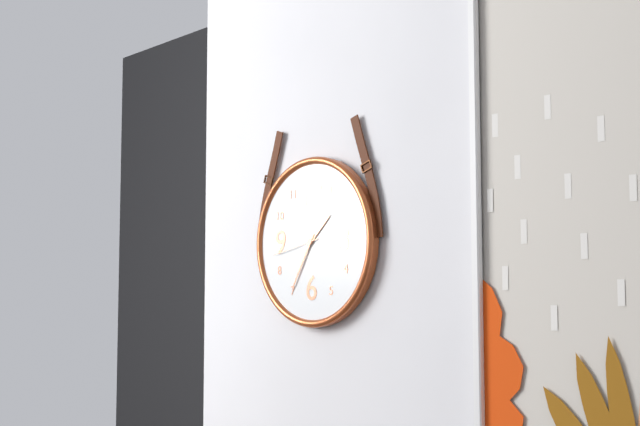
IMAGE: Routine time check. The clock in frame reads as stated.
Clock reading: 1:35:43
